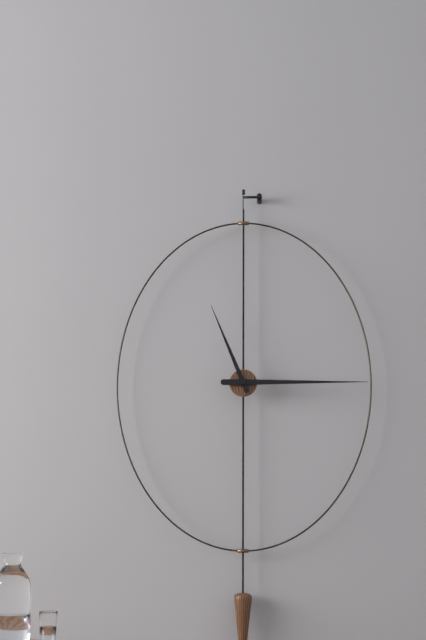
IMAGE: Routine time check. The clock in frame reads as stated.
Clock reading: 11:15
